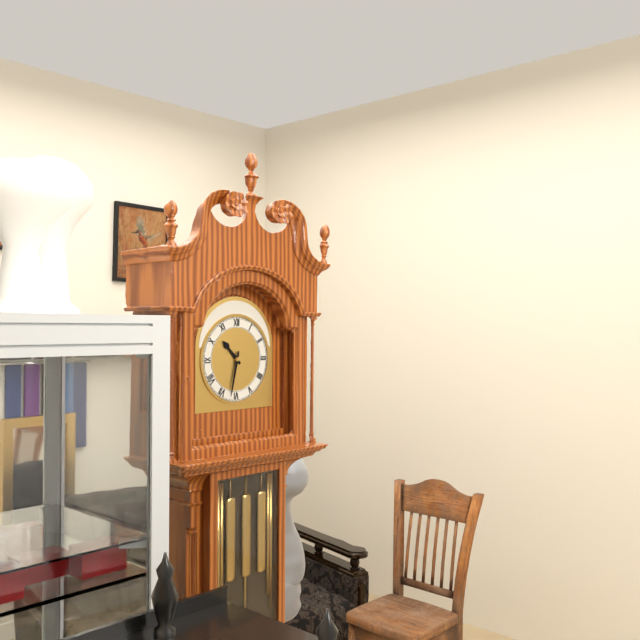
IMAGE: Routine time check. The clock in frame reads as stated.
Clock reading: 10:32
